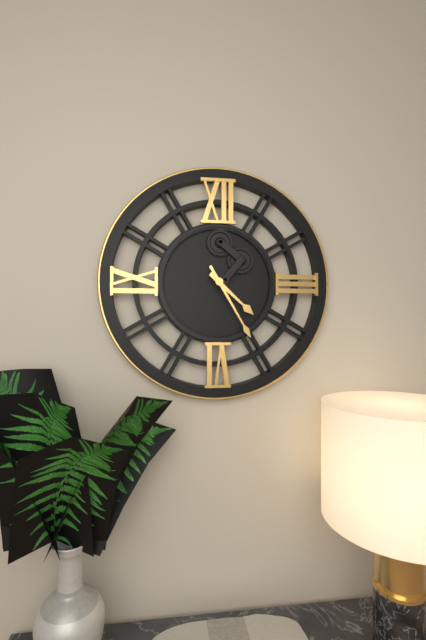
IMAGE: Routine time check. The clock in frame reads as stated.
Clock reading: 4:25
